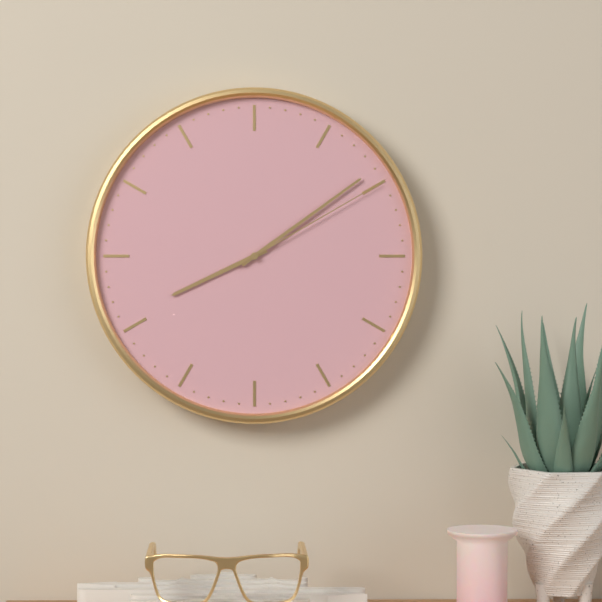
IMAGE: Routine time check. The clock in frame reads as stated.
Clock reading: 8:09:10
